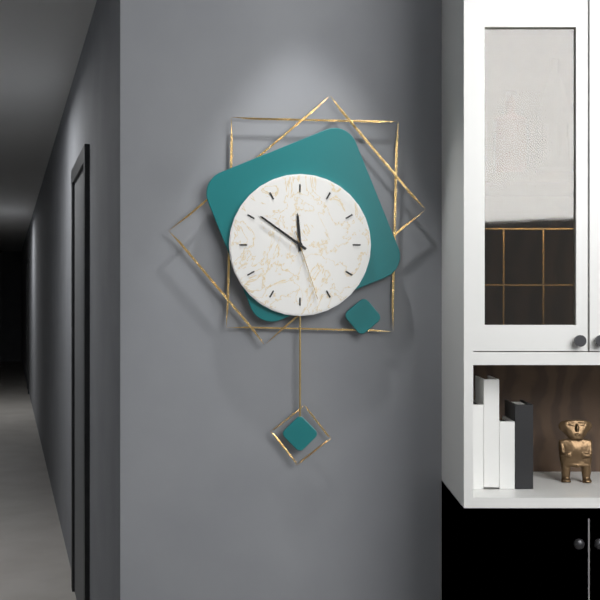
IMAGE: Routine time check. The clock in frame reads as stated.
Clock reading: 11:51:27
